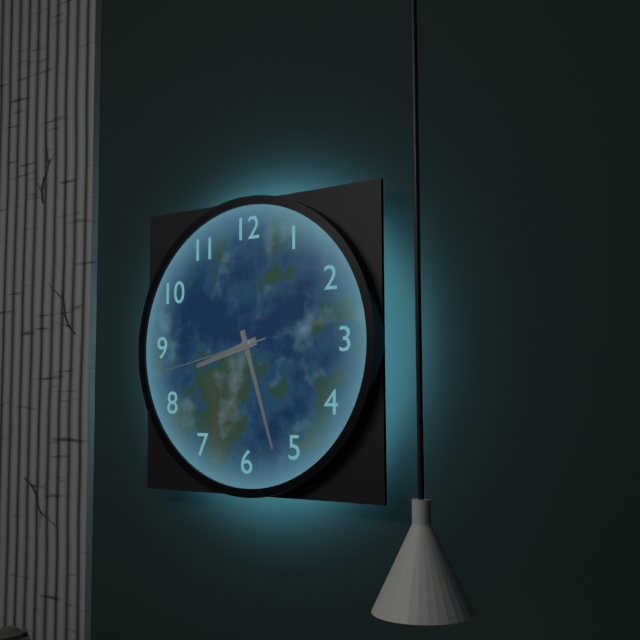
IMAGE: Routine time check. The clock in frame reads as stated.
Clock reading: 8:27:43
